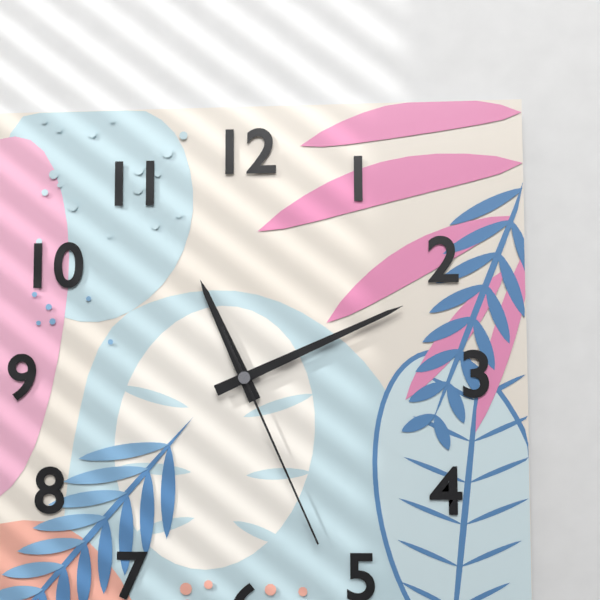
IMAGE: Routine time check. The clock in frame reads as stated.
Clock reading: 11:11:26
